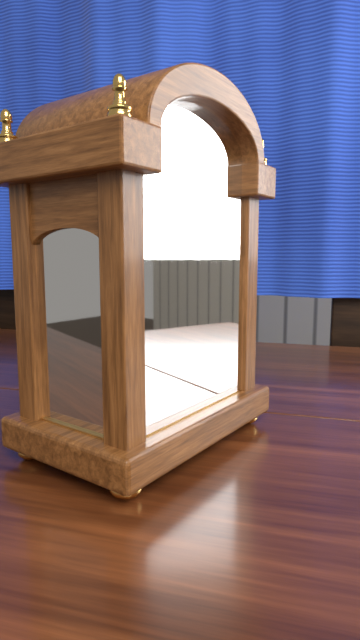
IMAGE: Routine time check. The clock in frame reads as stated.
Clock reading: 5:19
